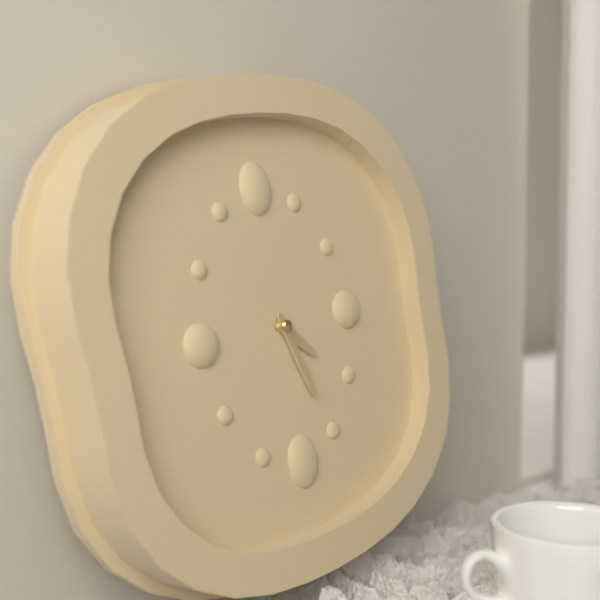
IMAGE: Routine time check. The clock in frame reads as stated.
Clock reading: 4:27
